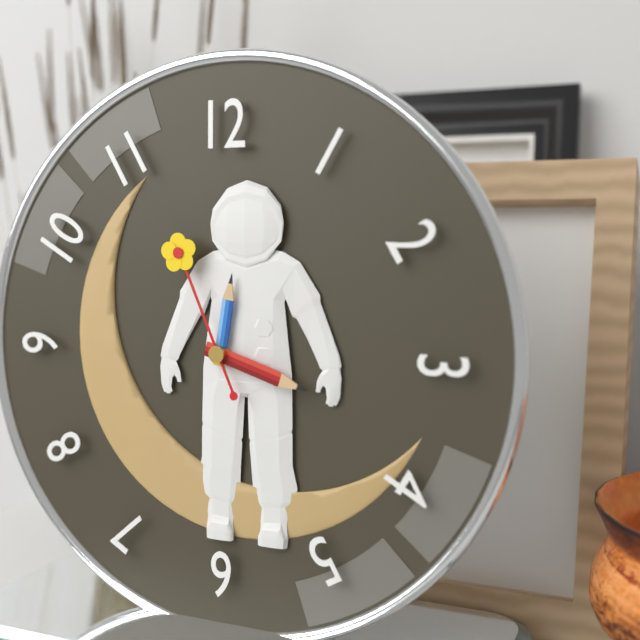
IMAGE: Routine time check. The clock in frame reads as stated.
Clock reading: 12:18:56
